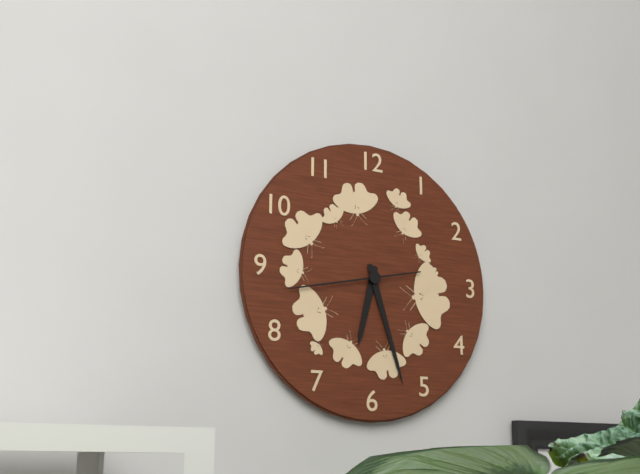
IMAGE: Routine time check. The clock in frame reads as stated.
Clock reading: 6:27:43
